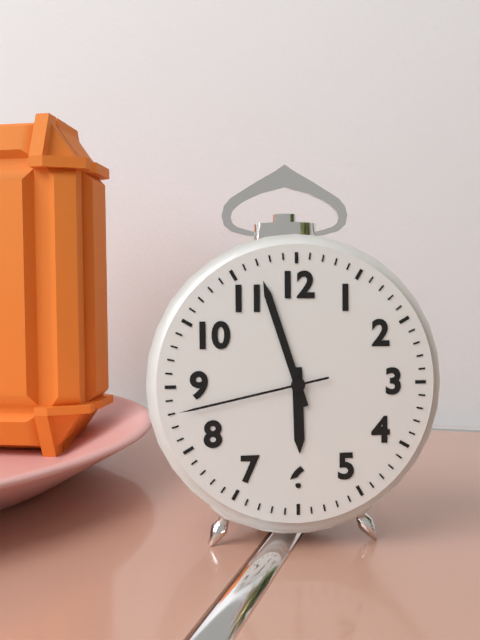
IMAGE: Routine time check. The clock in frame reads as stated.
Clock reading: 5:57:43
